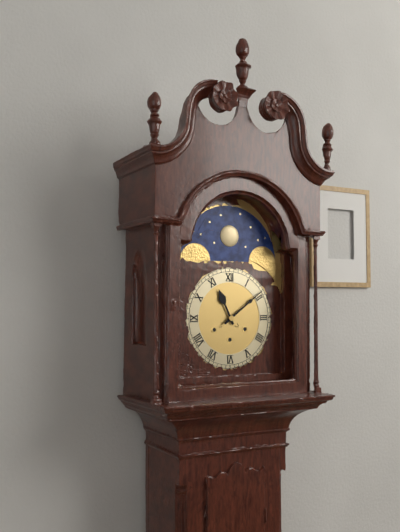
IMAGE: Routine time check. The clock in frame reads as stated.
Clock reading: 11:09
